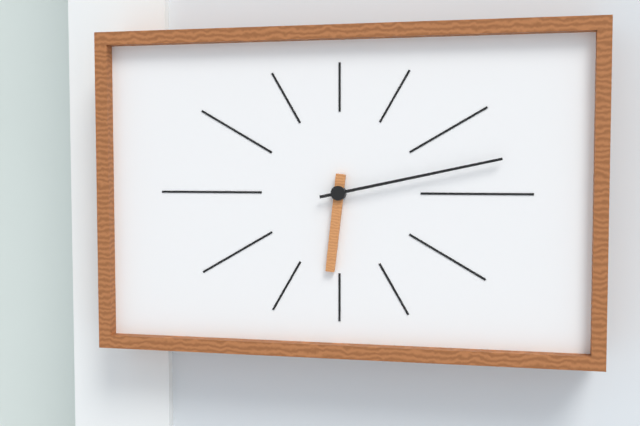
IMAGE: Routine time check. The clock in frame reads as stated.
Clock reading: 6:13
